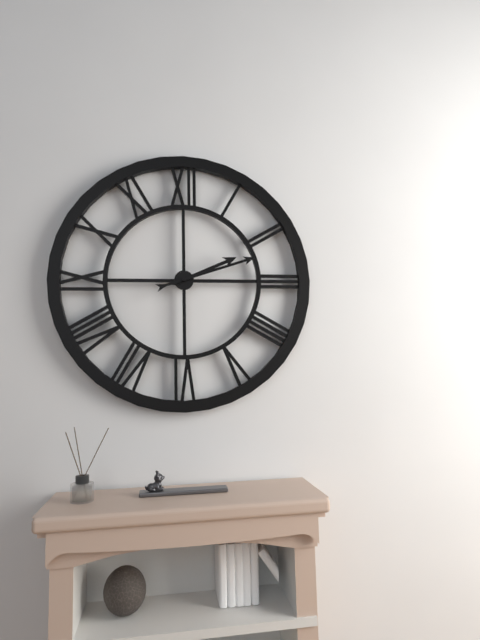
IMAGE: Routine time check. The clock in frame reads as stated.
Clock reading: 2:12
